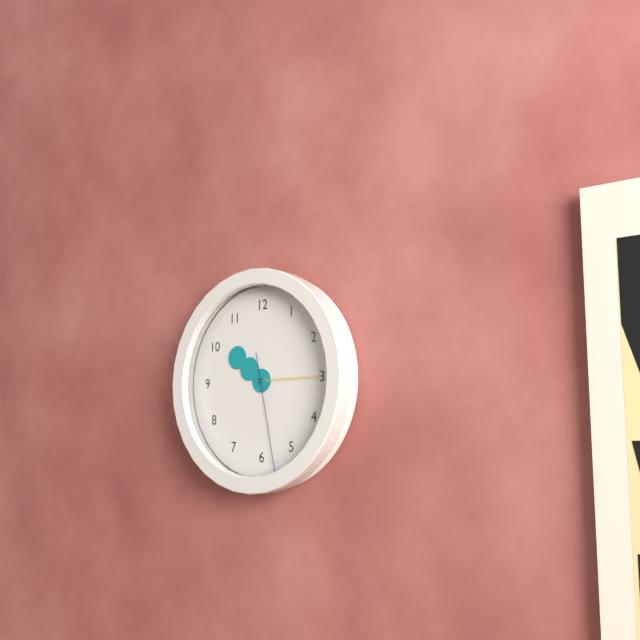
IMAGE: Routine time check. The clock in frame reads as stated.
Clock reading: 10:15:28
